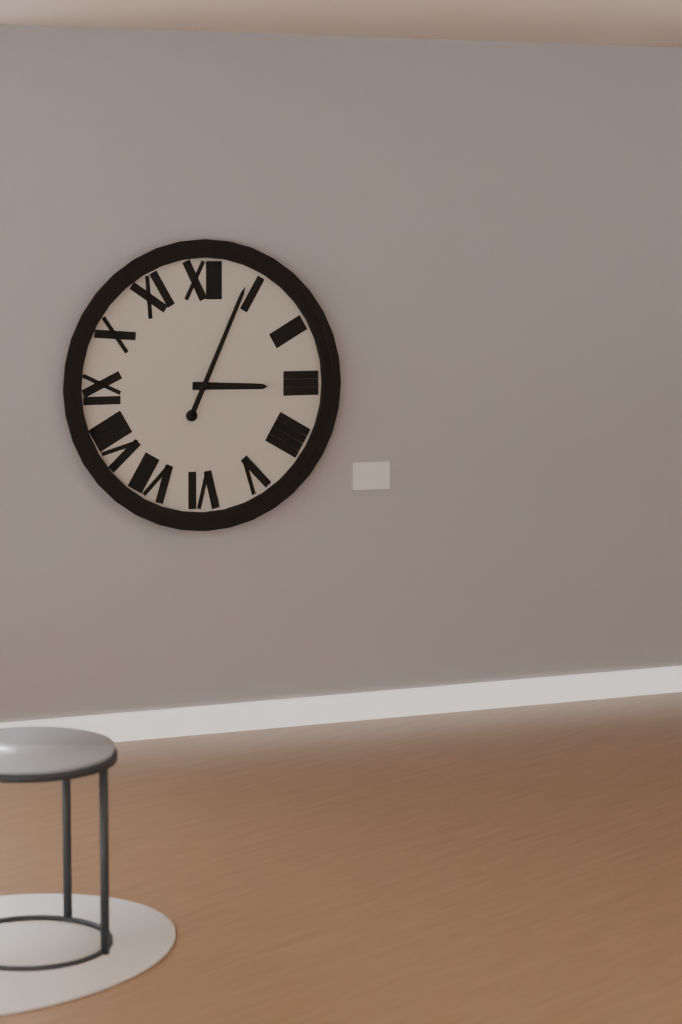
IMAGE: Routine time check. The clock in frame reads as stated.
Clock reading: 3:04
